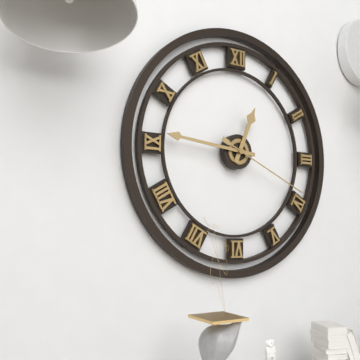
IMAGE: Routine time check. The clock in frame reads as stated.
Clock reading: 12:46:19
